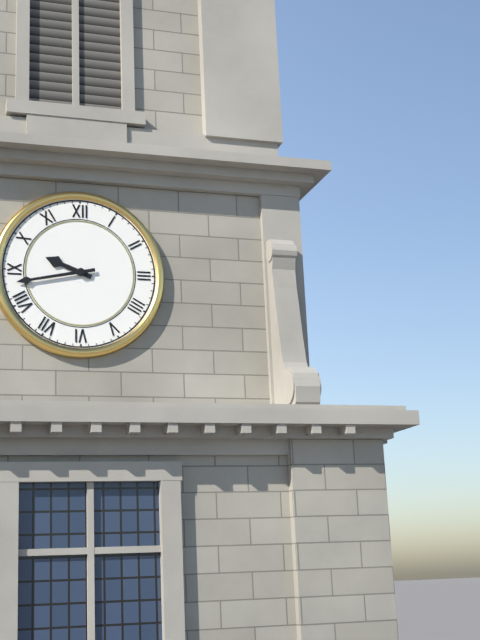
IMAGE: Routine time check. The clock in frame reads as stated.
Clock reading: 9:43
